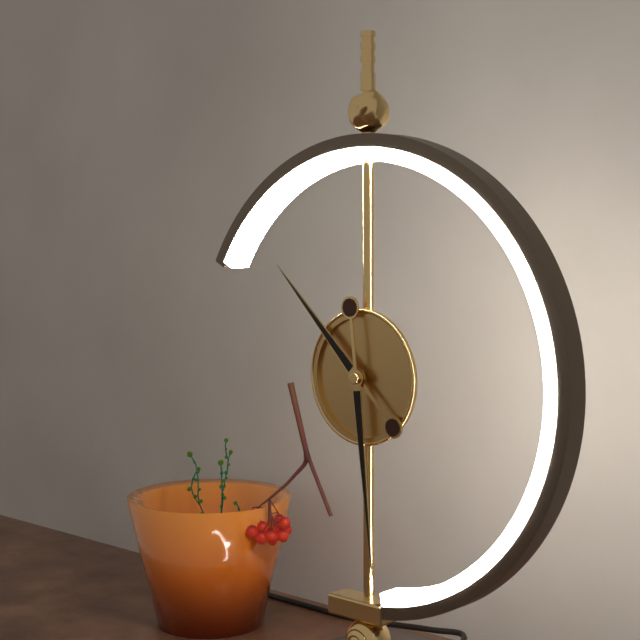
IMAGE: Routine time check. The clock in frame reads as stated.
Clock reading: 10:29
